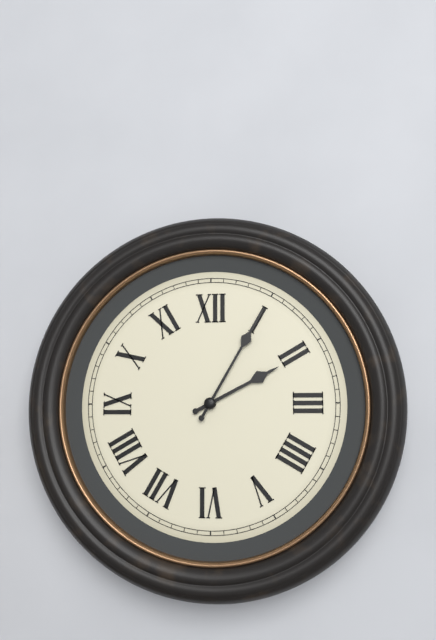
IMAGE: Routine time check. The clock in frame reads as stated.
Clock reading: 2:05
